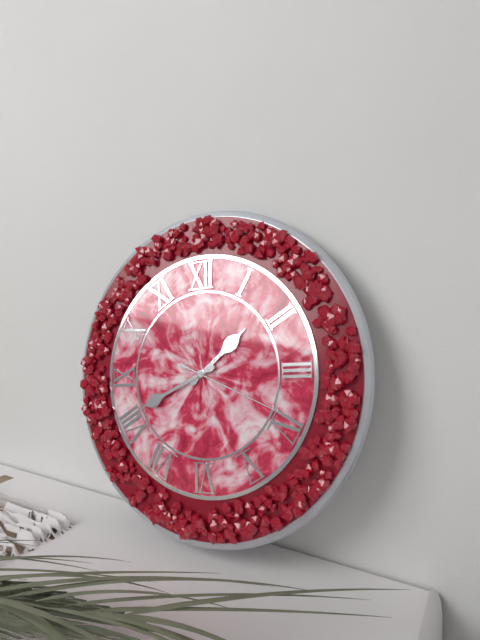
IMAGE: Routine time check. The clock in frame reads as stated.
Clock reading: 1:41:19
